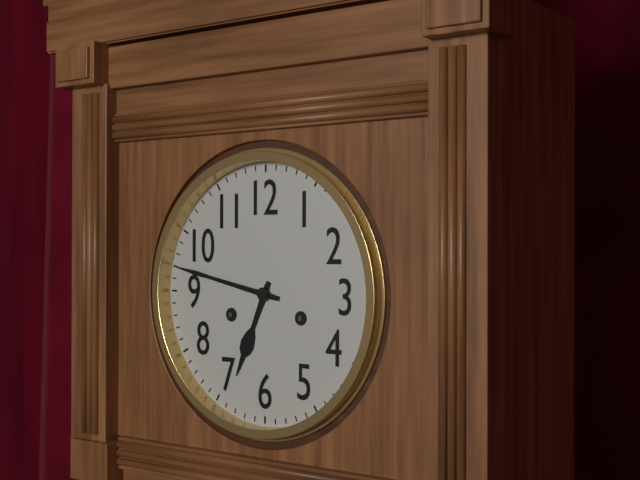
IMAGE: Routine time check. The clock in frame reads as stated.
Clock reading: 6:47
